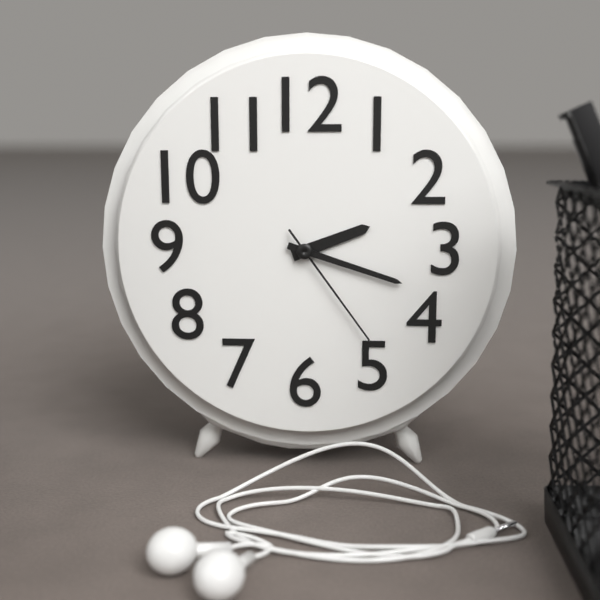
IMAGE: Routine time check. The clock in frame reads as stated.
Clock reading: 2:18:24
